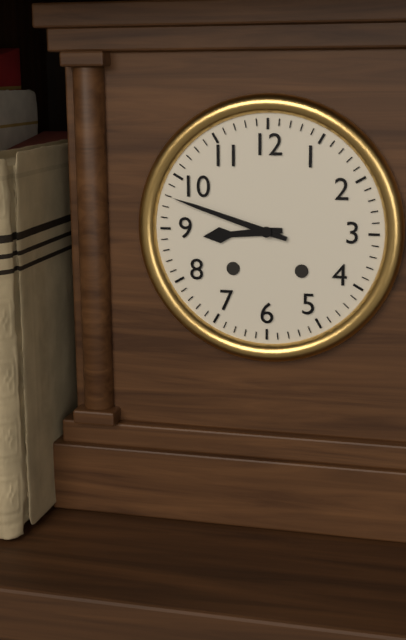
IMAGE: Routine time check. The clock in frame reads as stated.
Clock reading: 8:48
